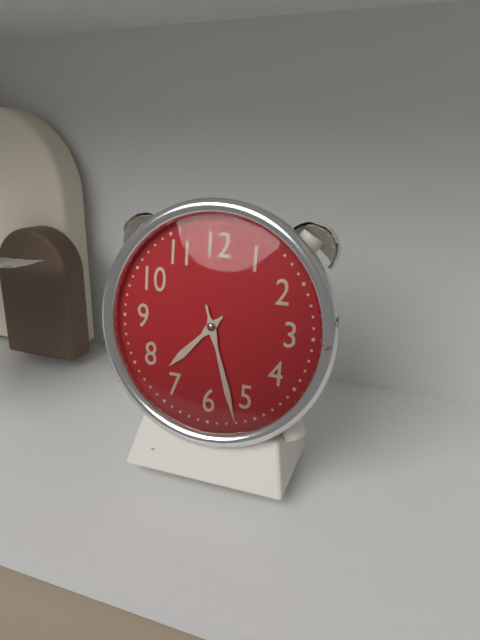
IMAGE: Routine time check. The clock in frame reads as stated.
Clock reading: 7:27
